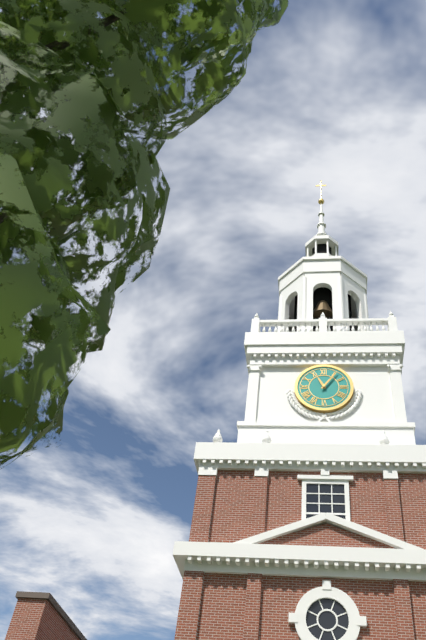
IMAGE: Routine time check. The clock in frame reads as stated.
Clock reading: 11:06
